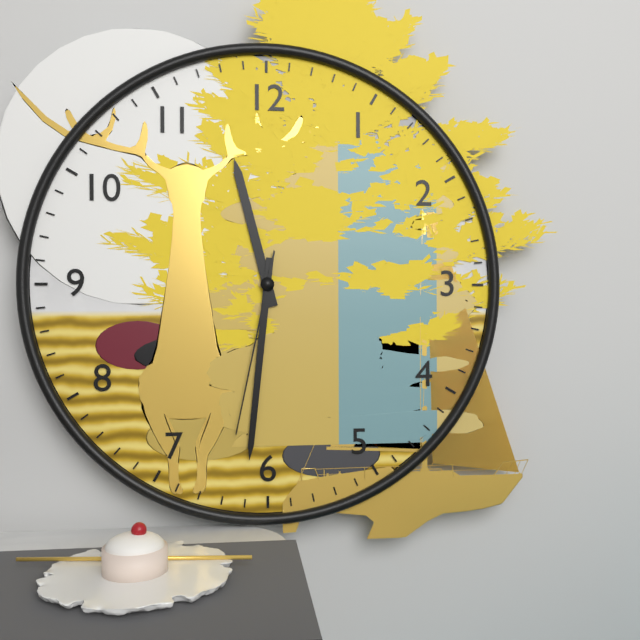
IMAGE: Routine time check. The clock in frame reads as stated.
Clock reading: 11:31:32
